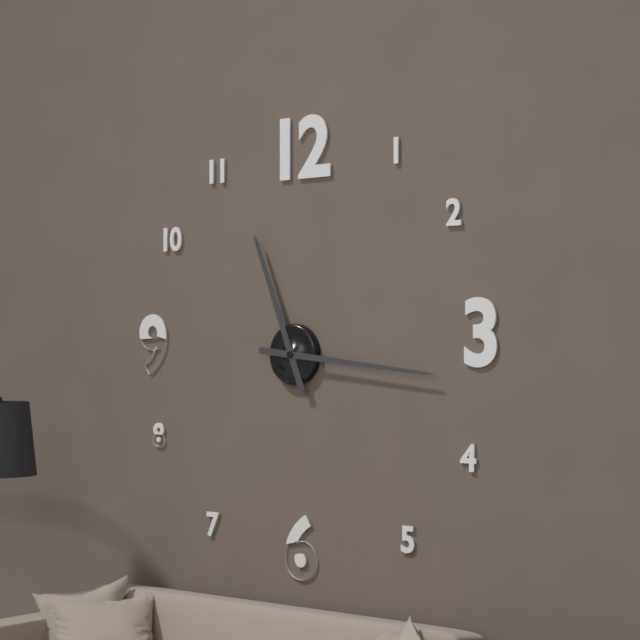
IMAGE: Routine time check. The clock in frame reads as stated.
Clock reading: 11:16
